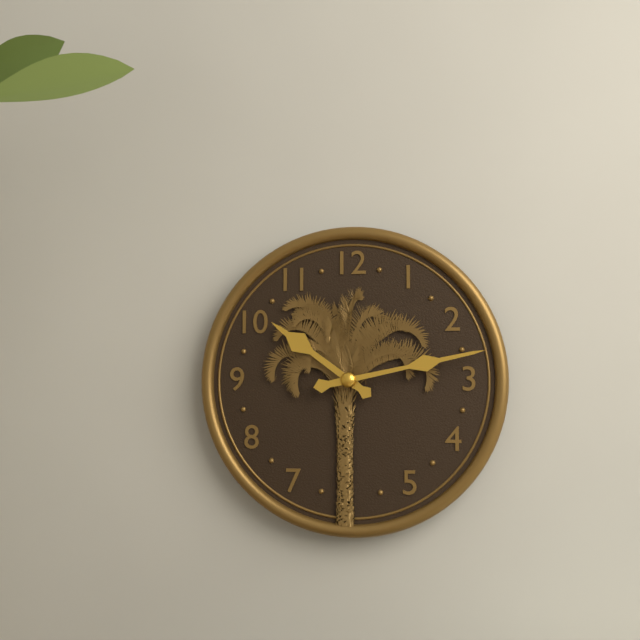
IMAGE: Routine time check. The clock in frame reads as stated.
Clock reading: 10:13
